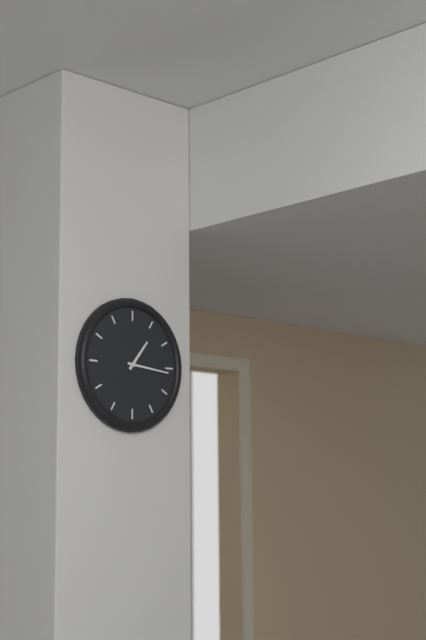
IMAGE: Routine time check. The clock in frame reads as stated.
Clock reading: 1:16
